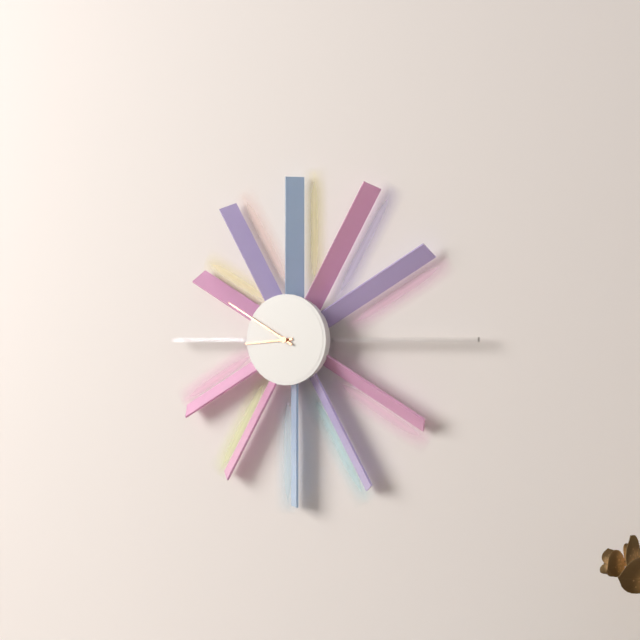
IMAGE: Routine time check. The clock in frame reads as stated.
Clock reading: 8:50
